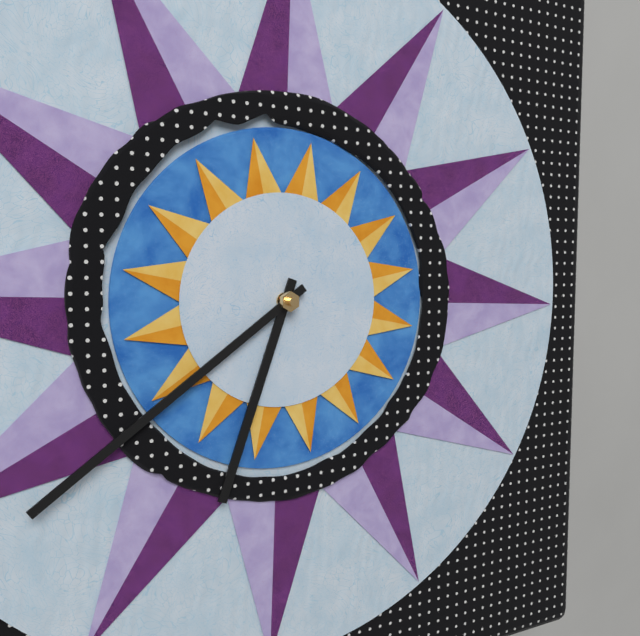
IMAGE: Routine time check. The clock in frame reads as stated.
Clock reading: 6:39
